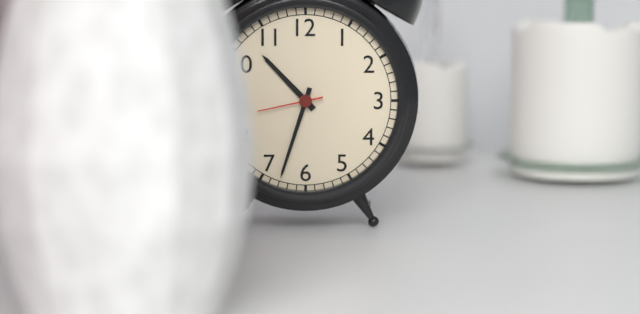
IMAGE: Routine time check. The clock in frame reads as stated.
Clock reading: 10:33:43
